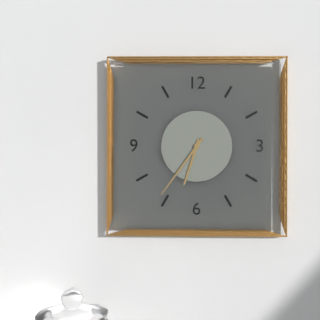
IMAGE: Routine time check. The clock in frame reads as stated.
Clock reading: 6:36
